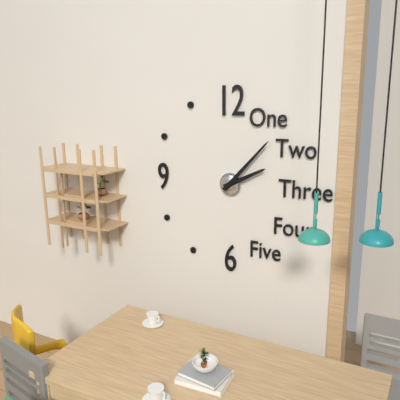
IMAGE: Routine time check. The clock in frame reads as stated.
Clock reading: 2:07
